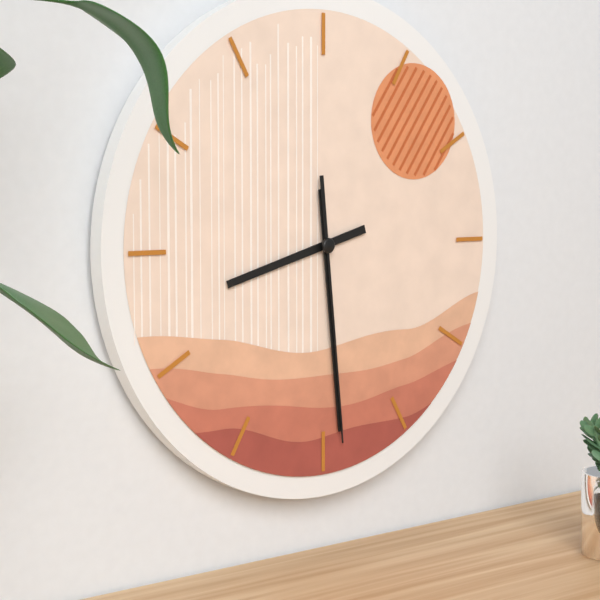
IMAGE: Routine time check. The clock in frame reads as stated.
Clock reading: 8:29:29
